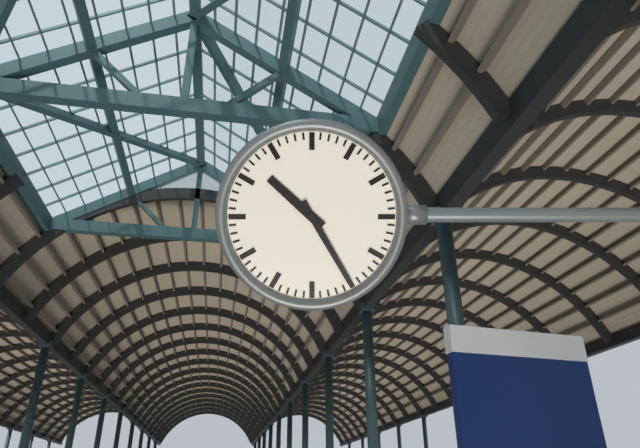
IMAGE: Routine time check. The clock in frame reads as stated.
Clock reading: 10:25
